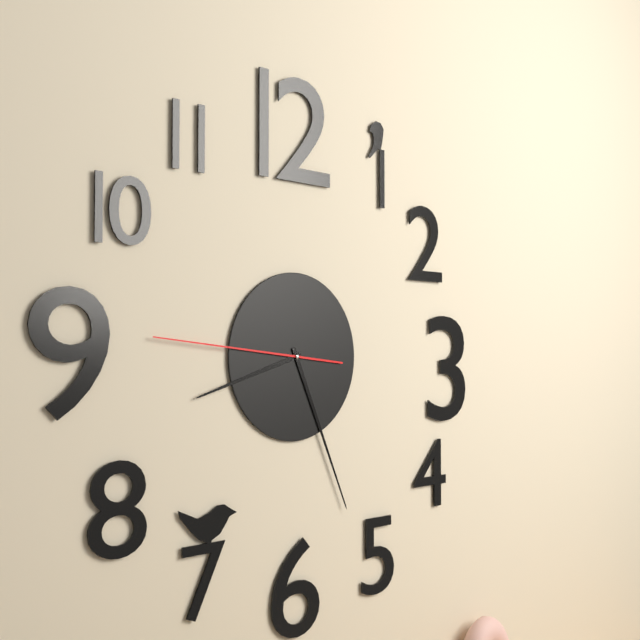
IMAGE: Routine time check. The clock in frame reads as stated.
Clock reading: 8:26:46
